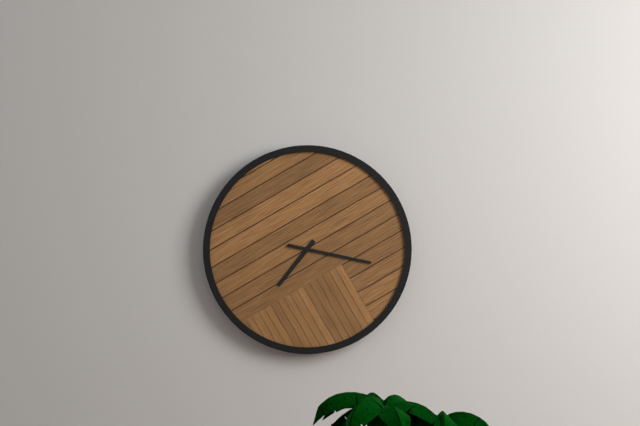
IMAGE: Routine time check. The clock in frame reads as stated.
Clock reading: 7:17
